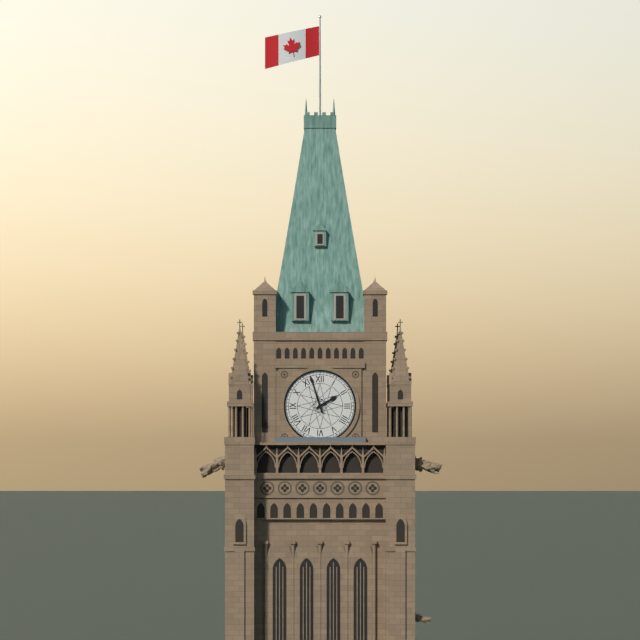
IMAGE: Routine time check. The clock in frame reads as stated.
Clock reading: 1:57
